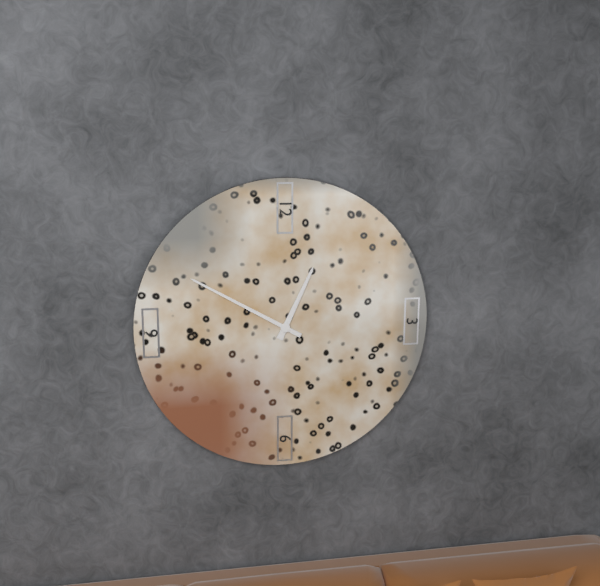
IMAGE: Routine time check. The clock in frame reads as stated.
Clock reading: 12:50
